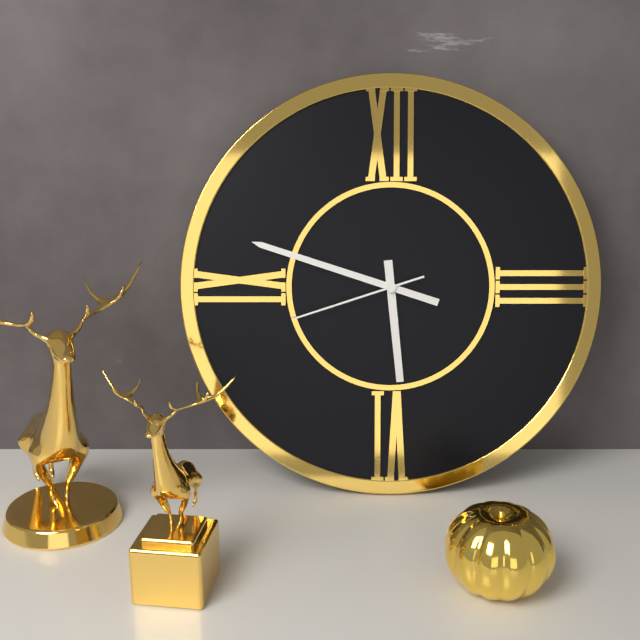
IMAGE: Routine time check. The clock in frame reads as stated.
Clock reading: 5:48:42
